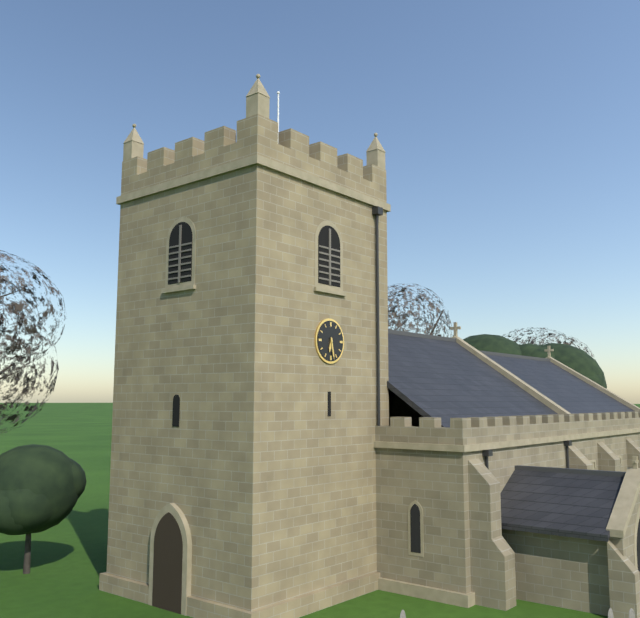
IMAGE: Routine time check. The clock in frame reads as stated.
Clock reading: 6:28
